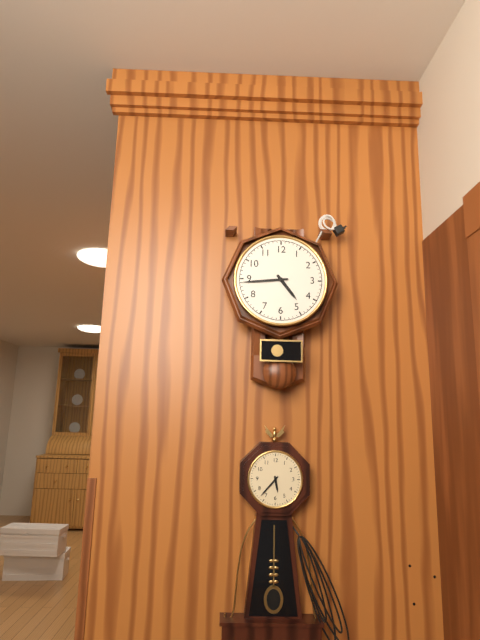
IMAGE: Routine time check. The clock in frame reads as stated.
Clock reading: 4:44
